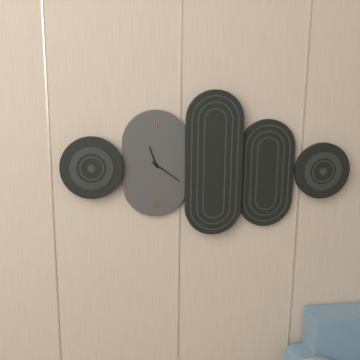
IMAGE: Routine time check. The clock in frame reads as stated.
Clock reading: 11:21
